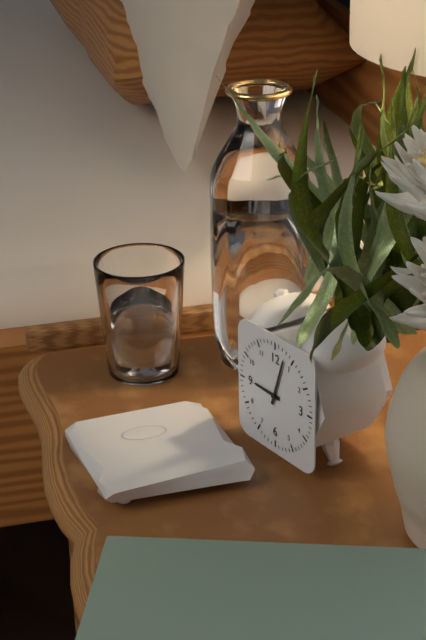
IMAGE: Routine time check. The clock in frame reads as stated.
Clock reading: 9:03
